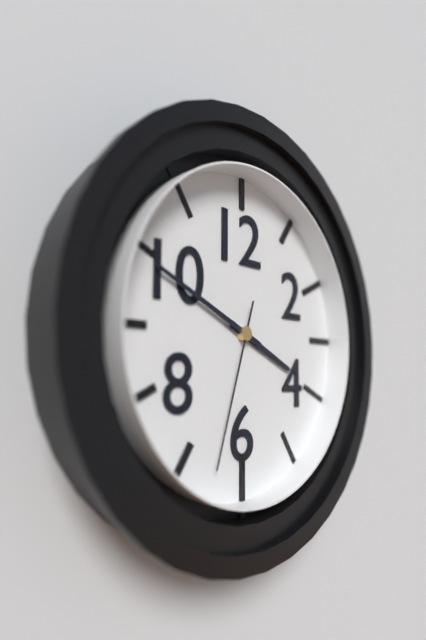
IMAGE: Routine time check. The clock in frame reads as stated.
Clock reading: 3:49:33
